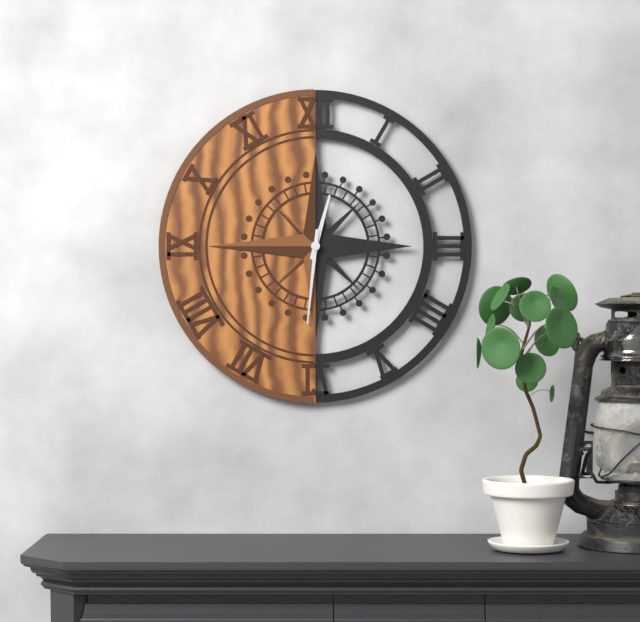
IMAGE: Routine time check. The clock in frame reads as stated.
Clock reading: 12:31
